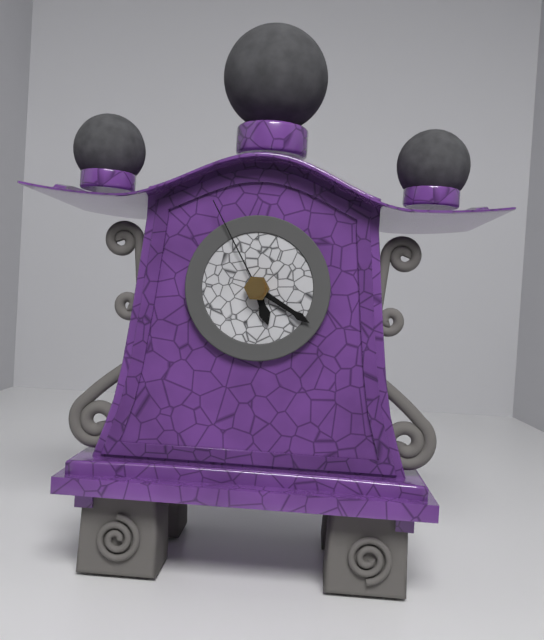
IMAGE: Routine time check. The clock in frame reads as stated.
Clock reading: 5:20:55
